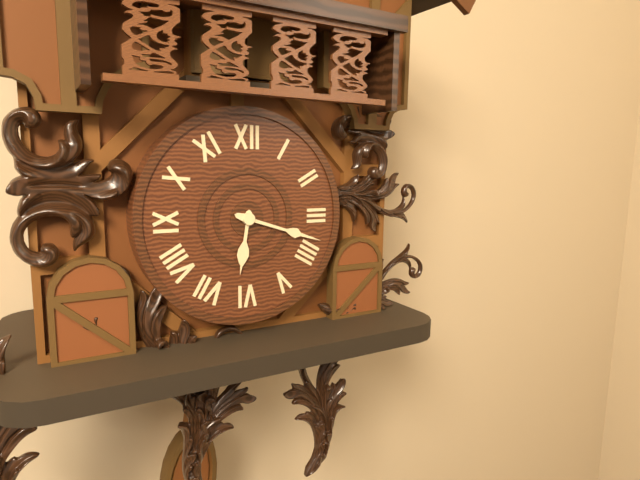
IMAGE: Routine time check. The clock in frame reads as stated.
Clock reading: 6:18
